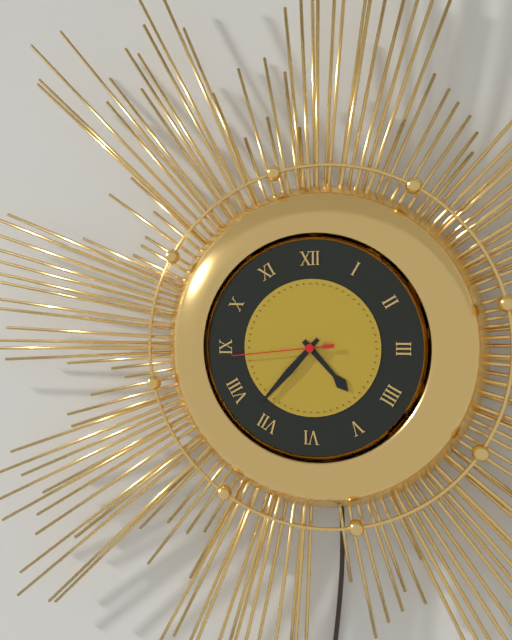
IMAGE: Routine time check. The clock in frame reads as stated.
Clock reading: 4:37:44
